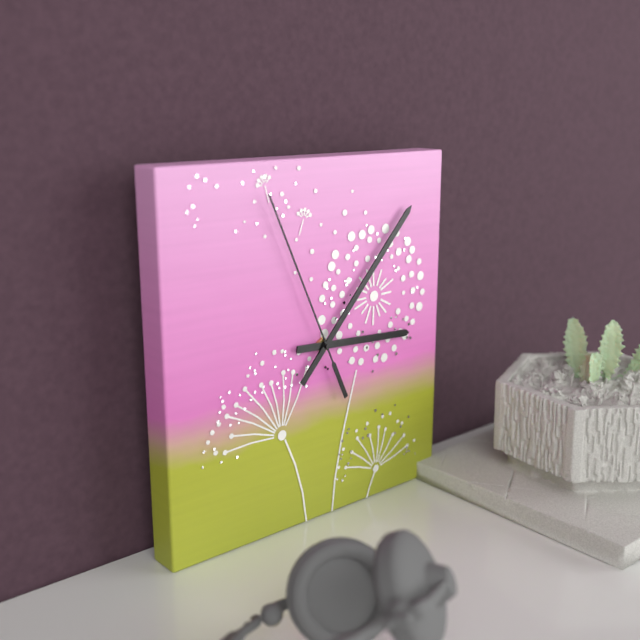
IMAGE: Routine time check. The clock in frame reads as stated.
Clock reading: 3:07:56
